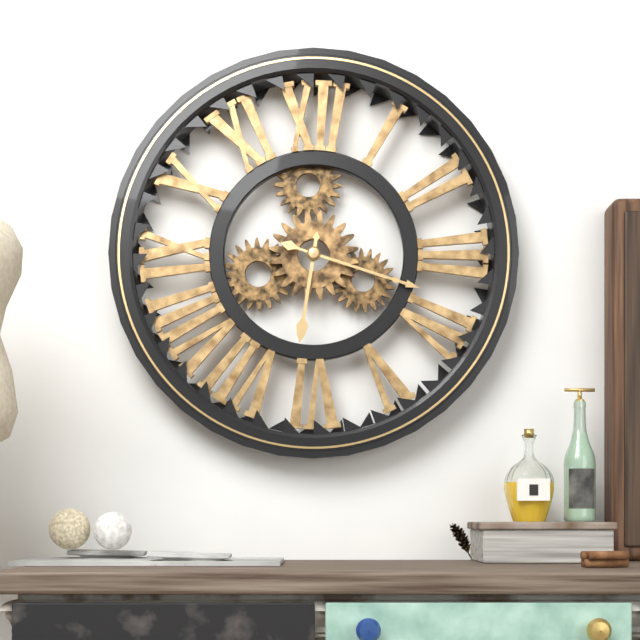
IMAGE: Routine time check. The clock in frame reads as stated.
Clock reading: 6:18
